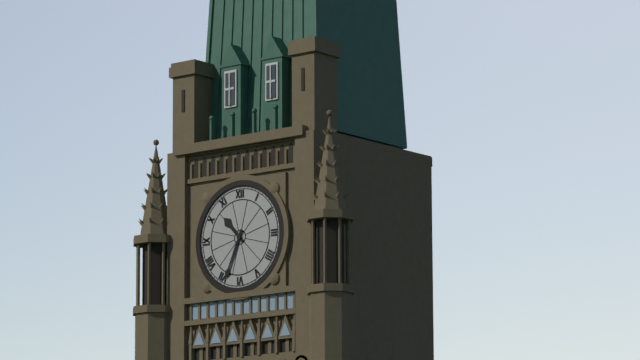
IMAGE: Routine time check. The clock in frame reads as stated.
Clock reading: 10:34
